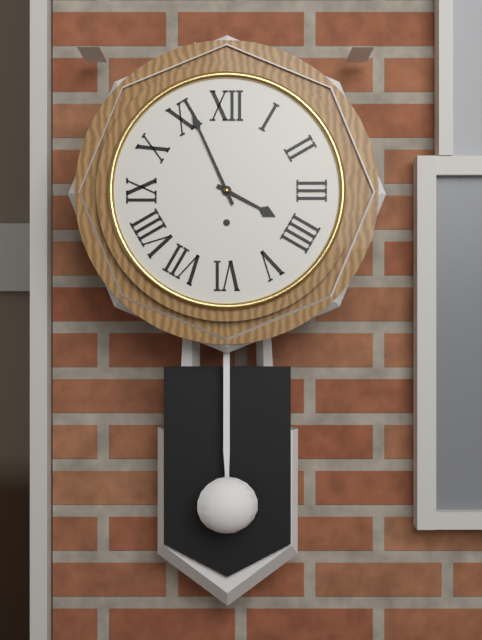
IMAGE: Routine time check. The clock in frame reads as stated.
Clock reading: 3:56
